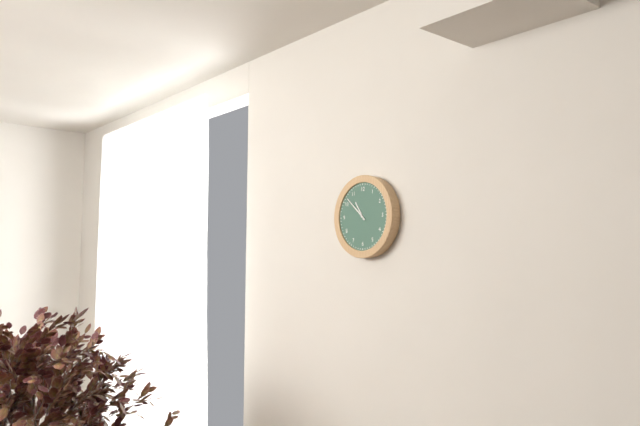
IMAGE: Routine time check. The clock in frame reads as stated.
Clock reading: 10:52
